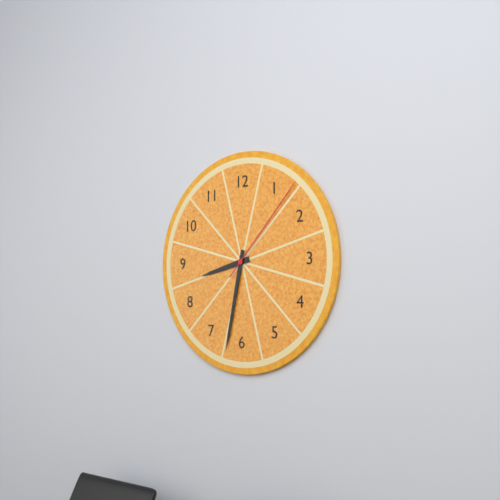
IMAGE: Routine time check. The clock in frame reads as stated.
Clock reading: 8:32:07
